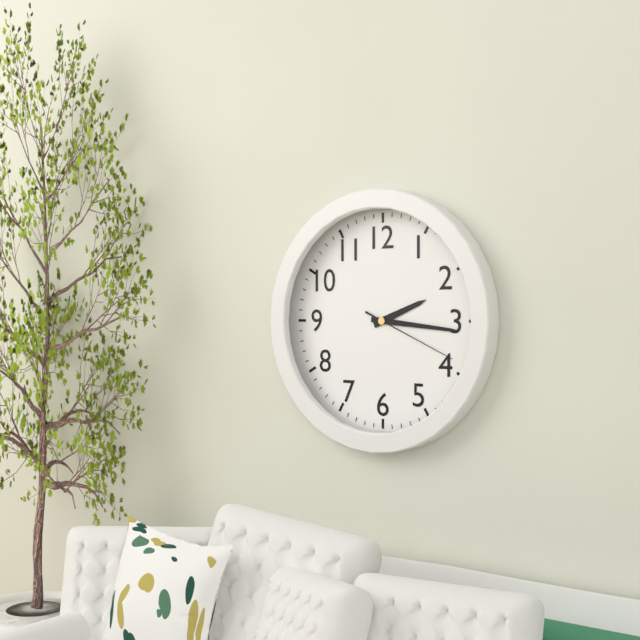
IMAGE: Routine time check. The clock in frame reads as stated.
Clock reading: 2:16:19
